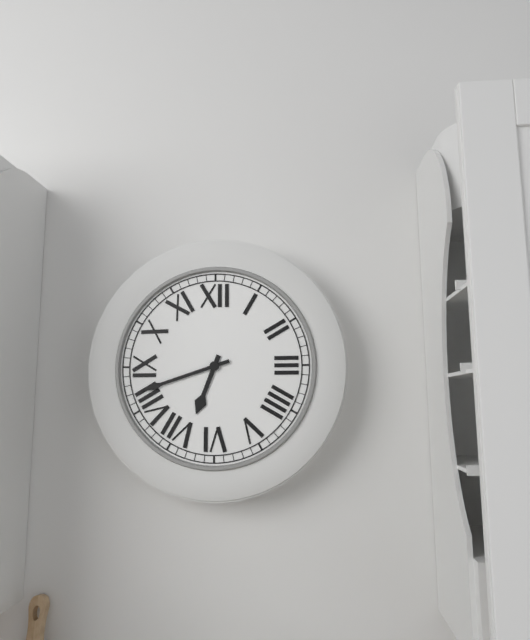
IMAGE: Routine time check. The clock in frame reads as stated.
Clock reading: 6:42
